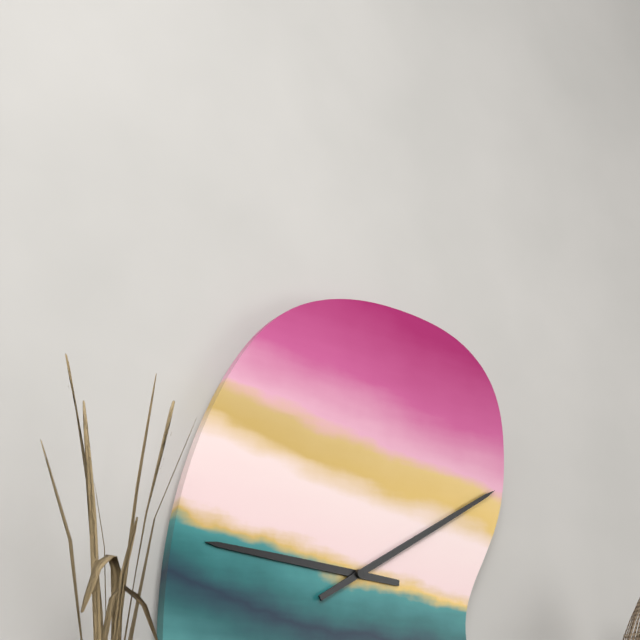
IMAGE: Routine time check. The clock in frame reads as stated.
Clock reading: 9:10
